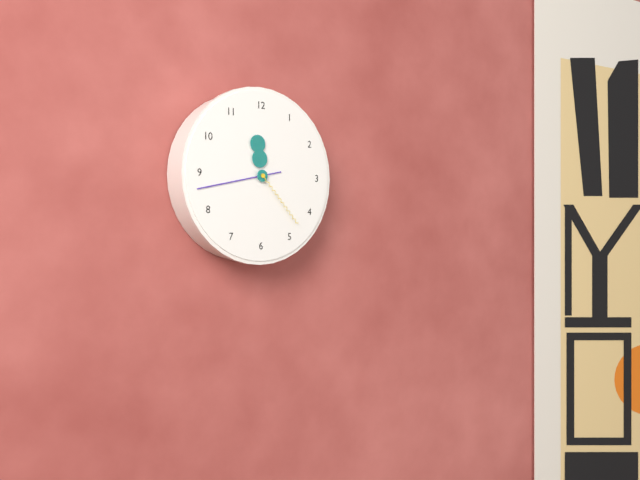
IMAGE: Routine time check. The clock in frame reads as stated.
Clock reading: 11:43:23
